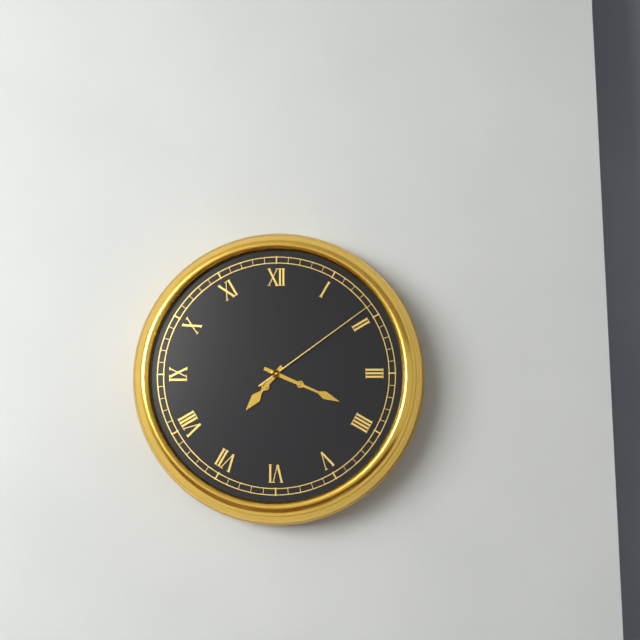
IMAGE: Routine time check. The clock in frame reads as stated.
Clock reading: 7:19:09
